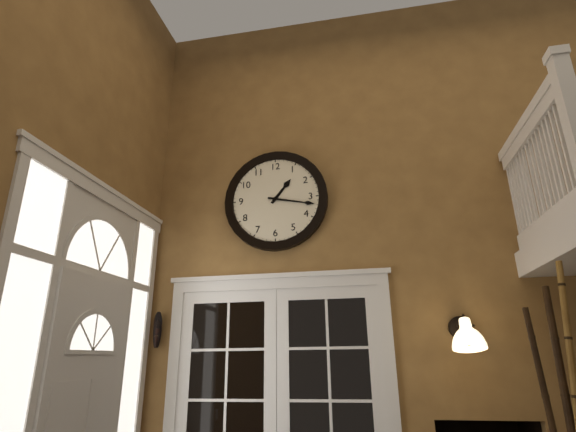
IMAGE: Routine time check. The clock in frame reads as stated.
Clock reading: 1:17
